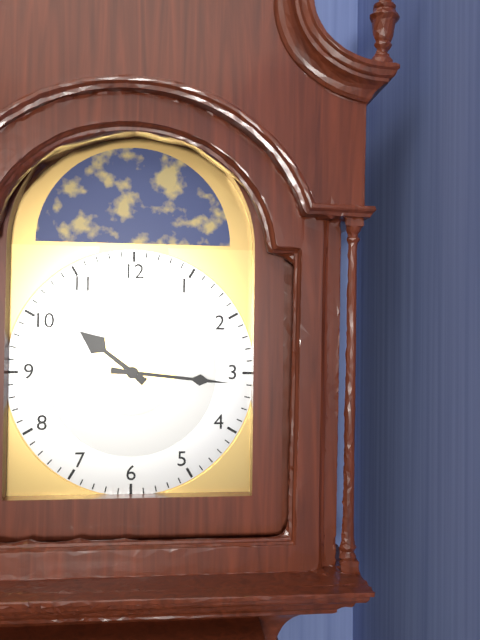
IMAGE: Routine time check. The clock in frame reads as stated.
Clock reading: 10:16
